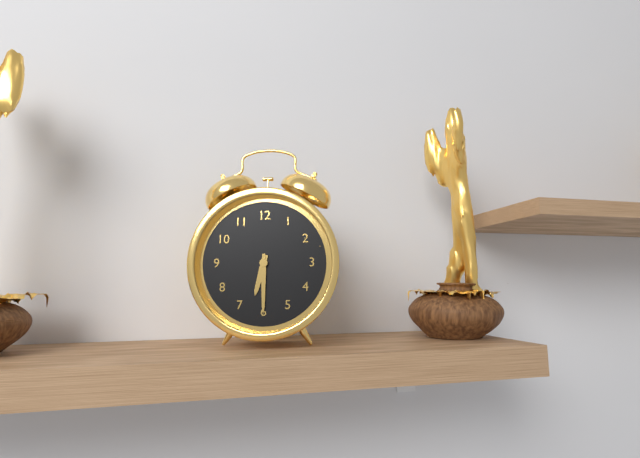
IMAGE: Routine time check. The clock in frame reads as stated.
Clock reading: 6:30
